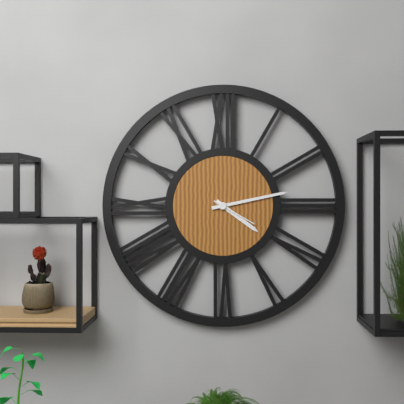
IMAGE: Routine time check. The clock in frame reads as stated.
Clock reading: 4:13
